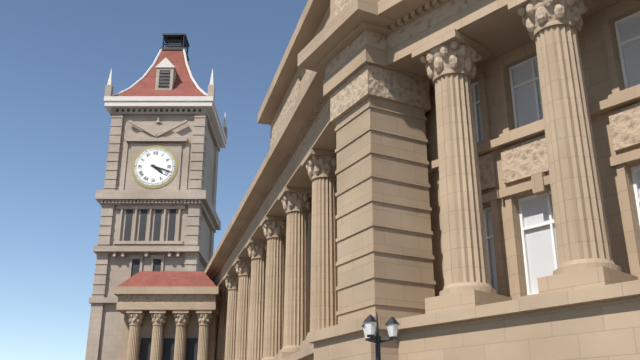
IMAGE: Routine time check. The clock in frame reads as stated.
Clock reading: 4:18
